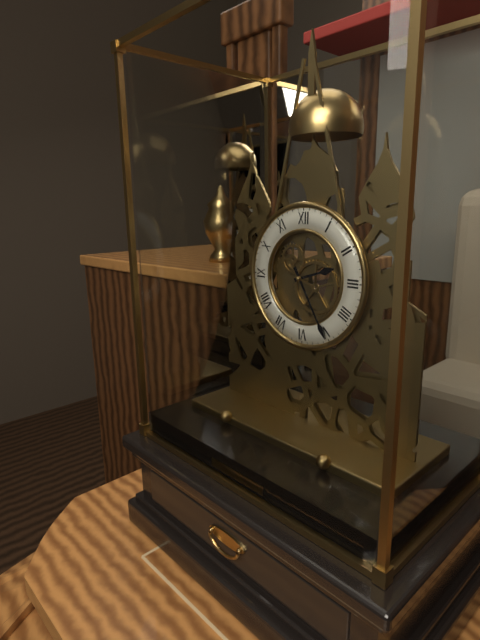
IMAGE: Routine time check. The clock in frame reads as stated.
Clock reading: 2:25
